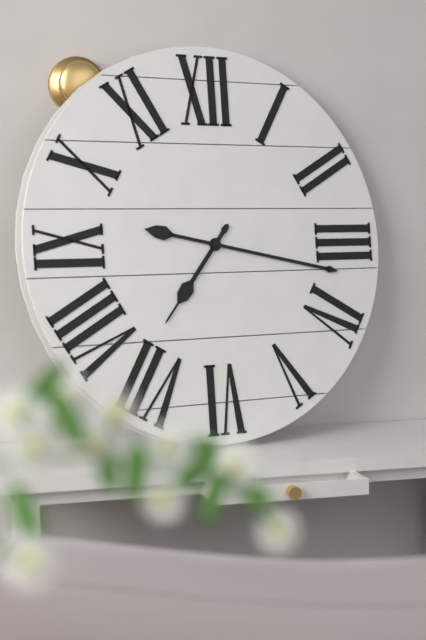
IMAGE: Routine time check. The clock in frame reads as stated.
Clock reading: 7:17
